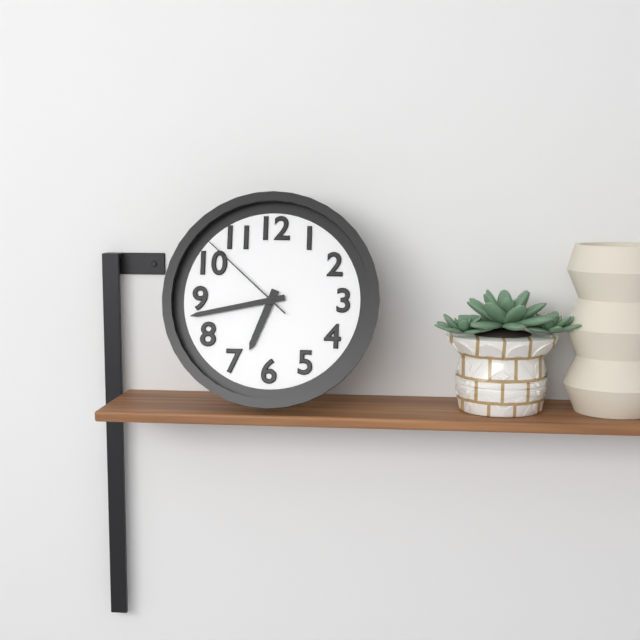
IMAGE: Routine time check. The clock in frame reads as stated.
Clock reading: 6:43:52
